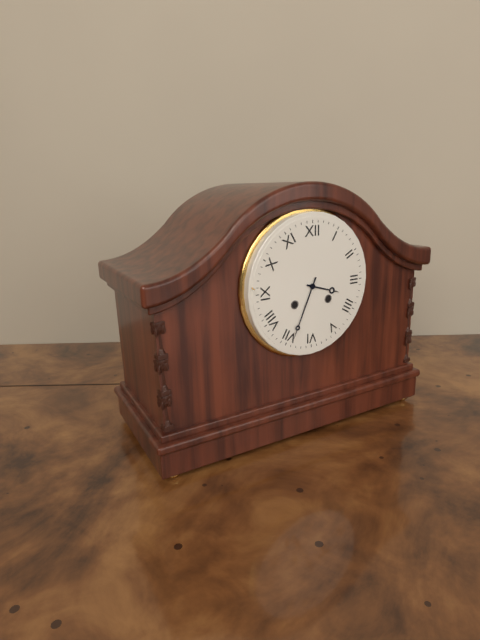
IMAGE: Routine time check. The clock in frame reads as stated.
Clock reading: 3:34
